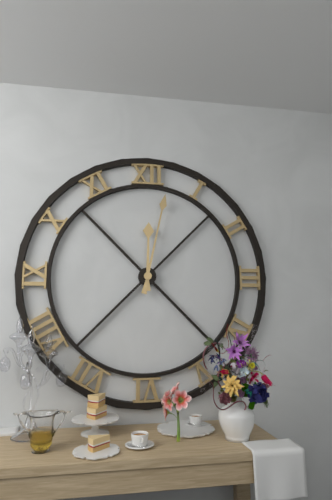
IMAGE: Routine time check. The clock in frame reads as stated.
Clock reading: 12:02
